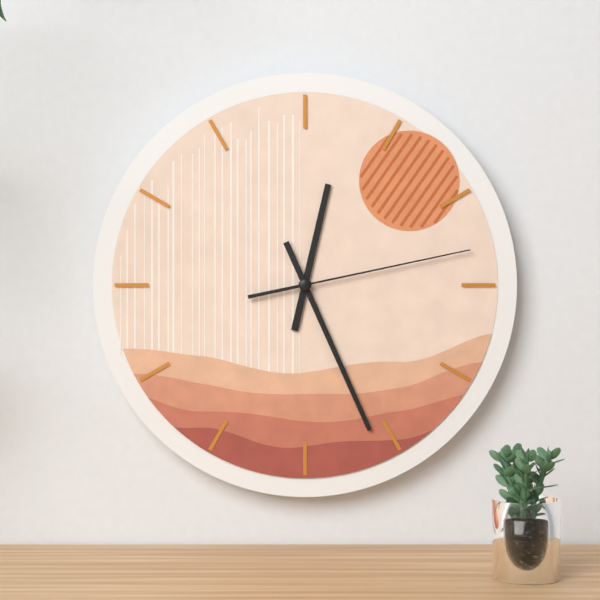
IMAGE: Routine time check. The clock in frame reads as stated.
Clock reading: 12:26:13
